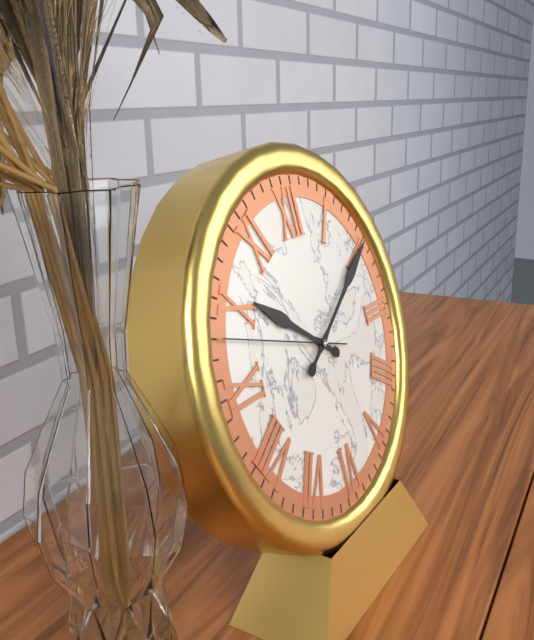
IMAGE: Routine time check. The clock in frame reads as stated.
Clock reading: 10:10:48
